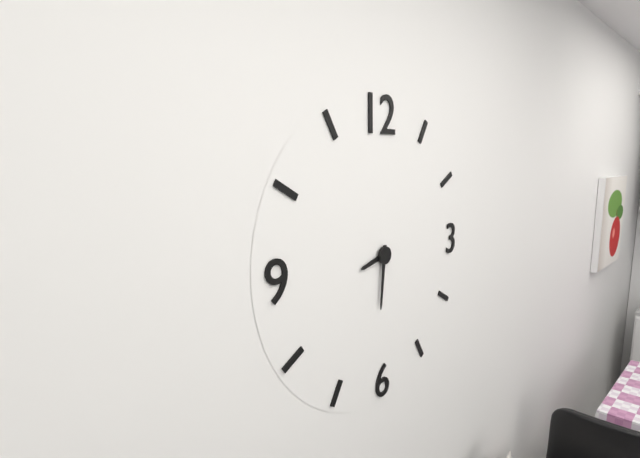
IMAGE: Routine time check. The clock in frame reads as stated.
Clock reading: 8:31
